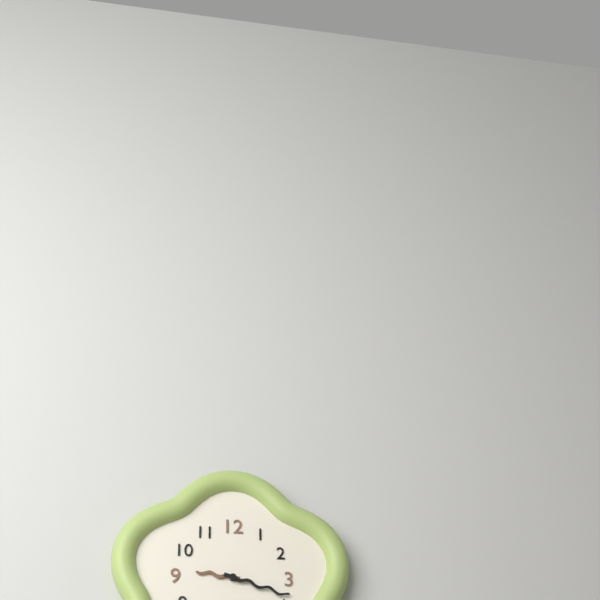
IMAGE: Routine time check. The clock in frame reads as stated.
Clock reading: 9:18
